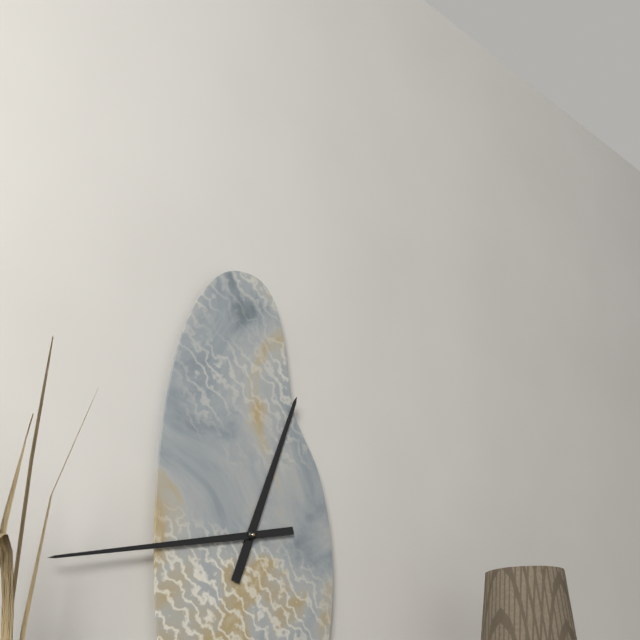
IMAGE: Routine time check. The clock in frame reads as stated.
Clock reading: 12:43
